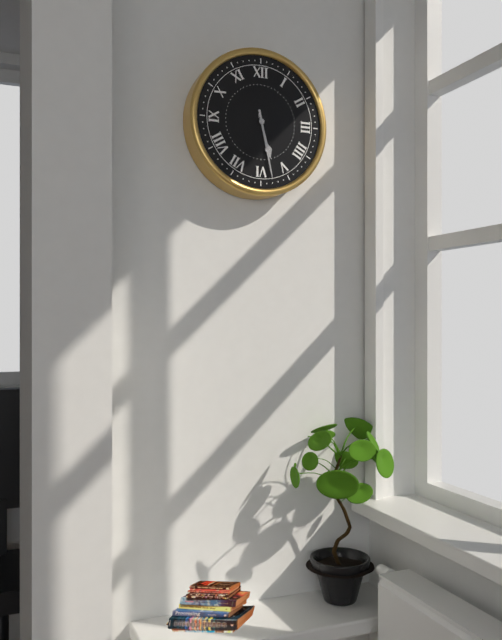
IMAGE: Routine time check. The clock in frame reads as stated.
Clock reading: 5:28
